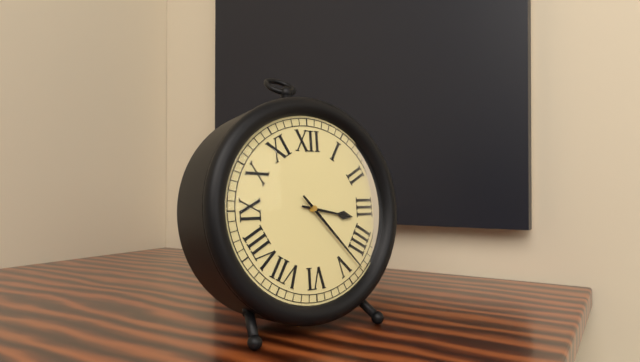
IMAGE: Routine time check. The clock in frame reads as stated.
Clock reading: 3:23
